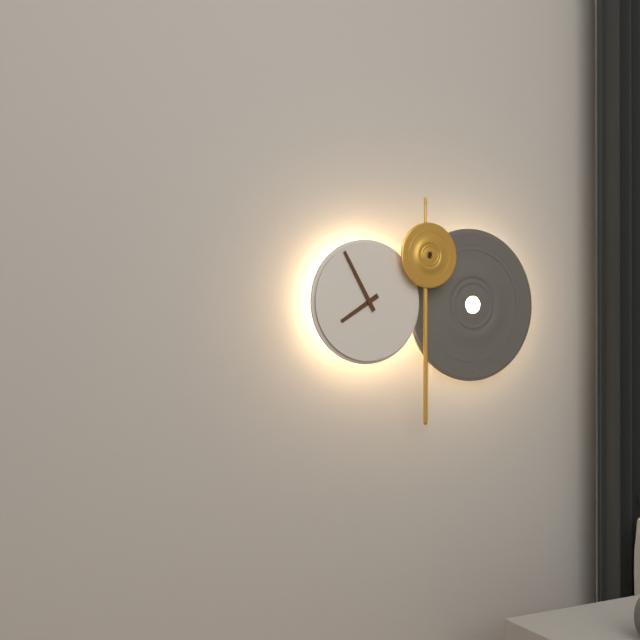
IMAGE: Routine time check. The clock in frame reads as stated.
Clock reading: 7:55
